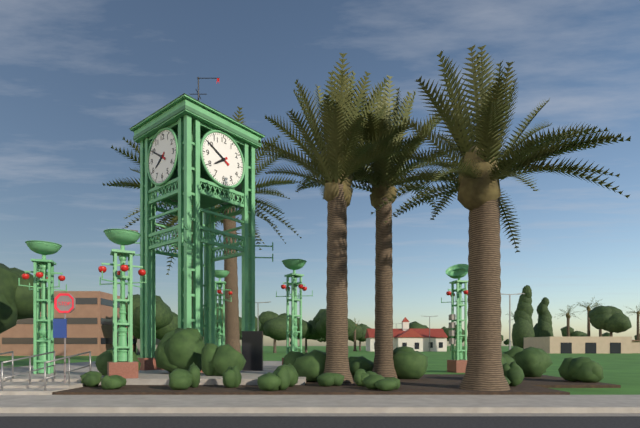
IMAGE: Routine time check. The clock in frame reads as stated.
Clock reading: 7:50
